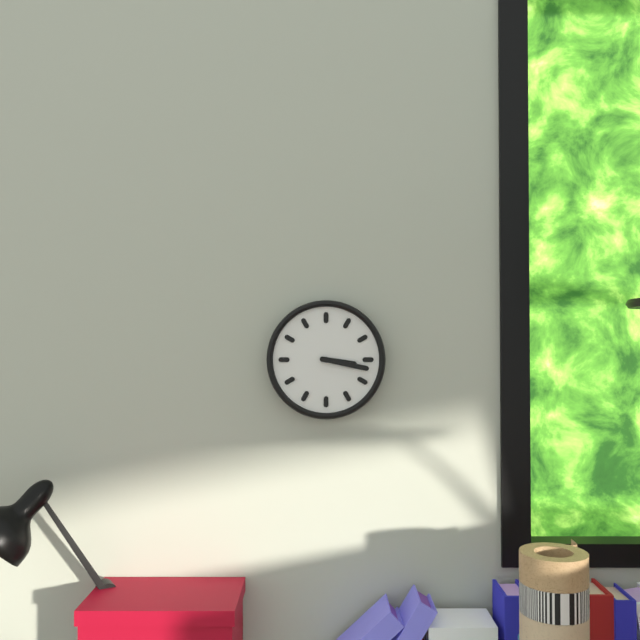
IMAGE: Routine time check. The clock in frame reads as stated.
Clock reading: 3:17
